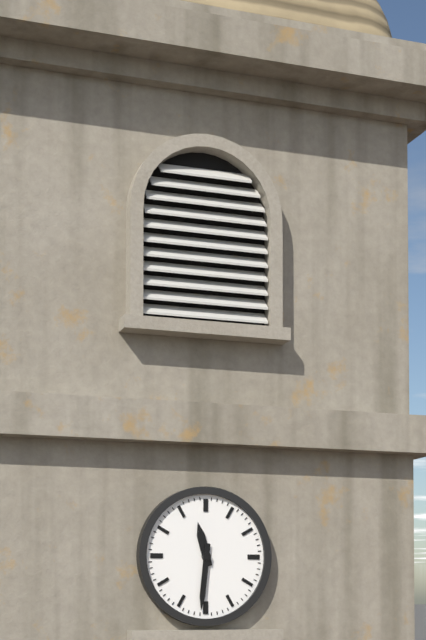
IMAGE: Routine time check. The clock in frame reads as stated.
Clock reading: 11:31
